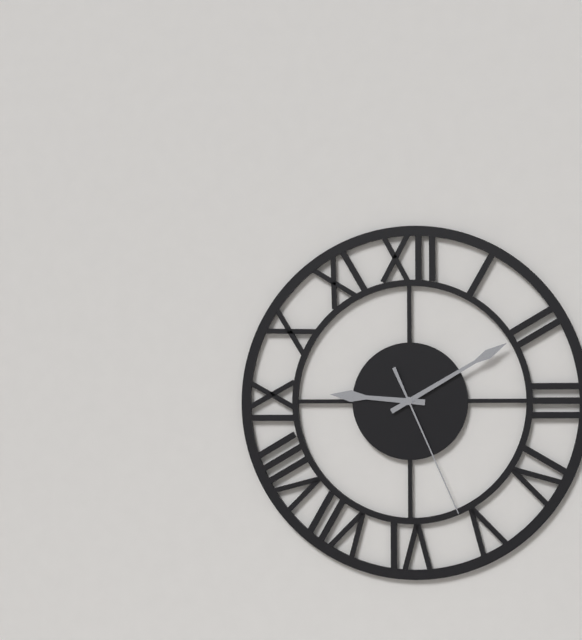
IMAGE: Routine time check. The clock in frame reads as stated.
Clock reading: 9:10:26
